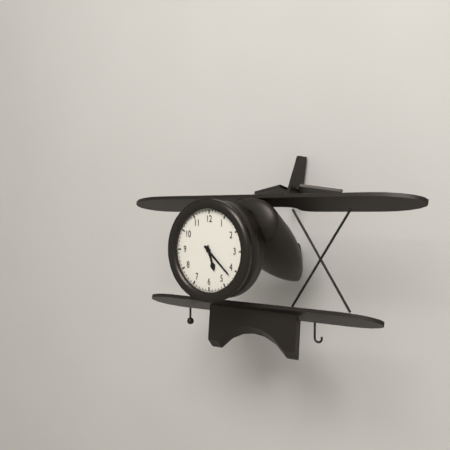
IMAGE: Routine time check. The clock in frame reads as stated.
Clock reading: 5:22
